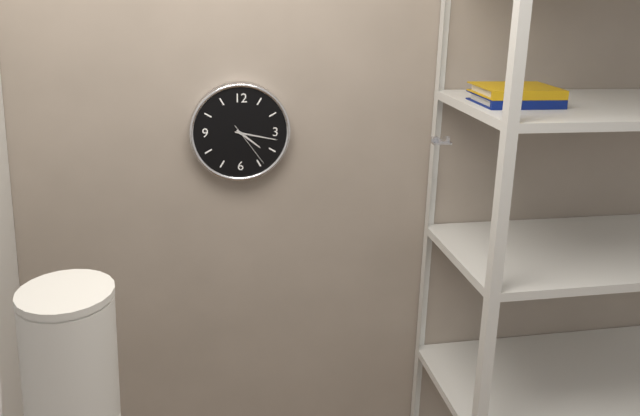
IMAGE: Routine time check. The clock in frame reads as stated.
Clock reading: 4:17
